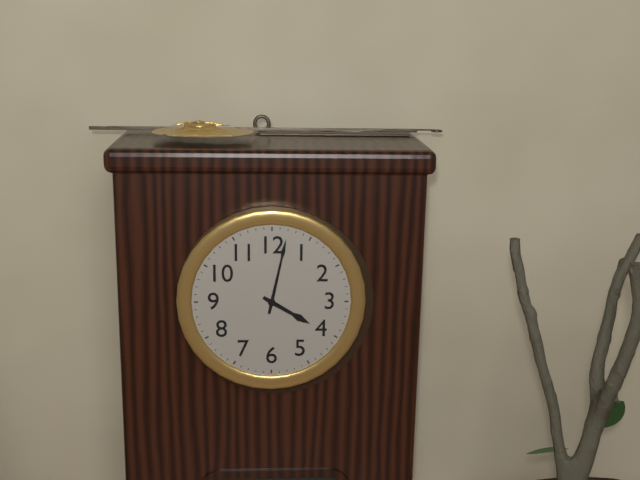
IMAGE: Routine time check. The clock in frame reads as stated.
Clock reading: 4:02
